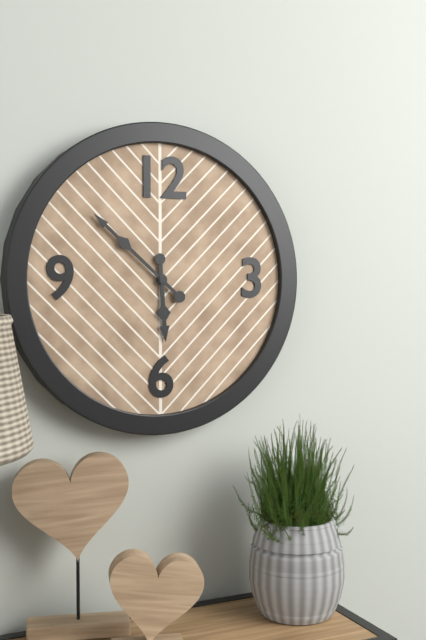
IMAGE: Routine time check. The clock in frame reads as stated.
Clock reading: 5:52
